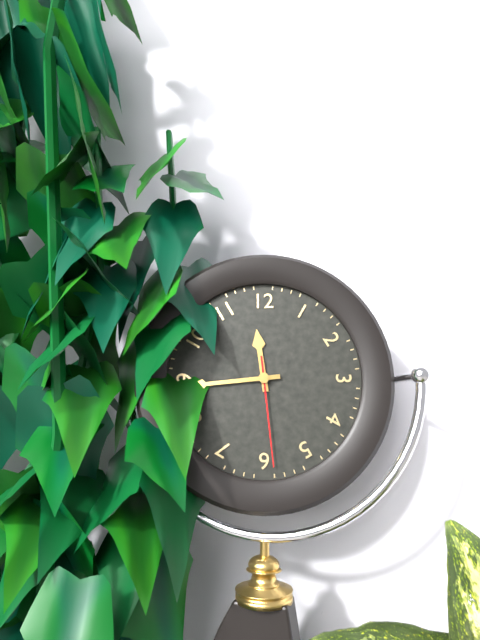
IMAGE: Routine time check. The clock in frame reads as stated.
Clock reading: 11:44:29
